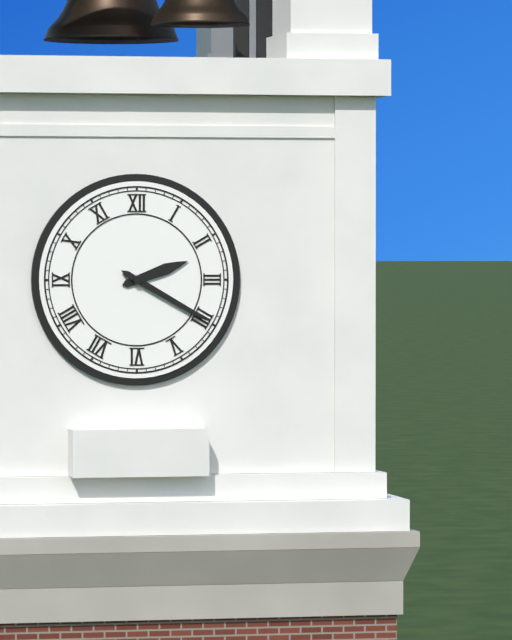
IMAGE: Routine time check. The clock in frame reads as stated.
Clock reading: 2:20
